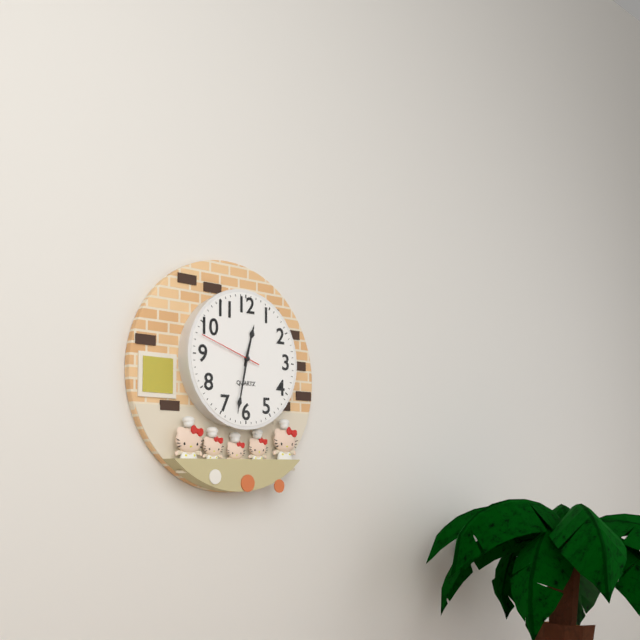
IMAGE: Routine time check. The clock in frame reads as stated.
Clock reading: 12:32:48
